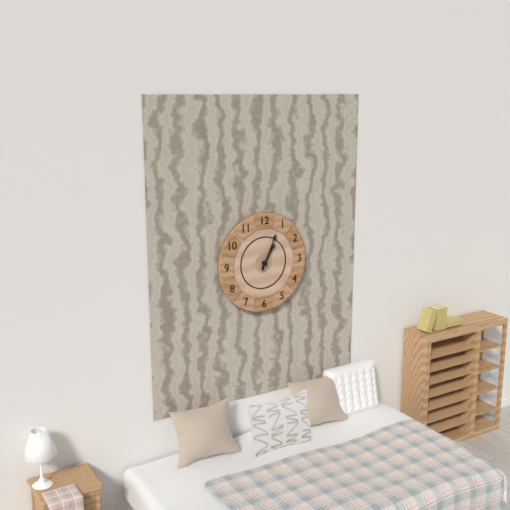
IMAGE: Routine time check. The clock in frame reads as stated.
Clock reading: 1:04
